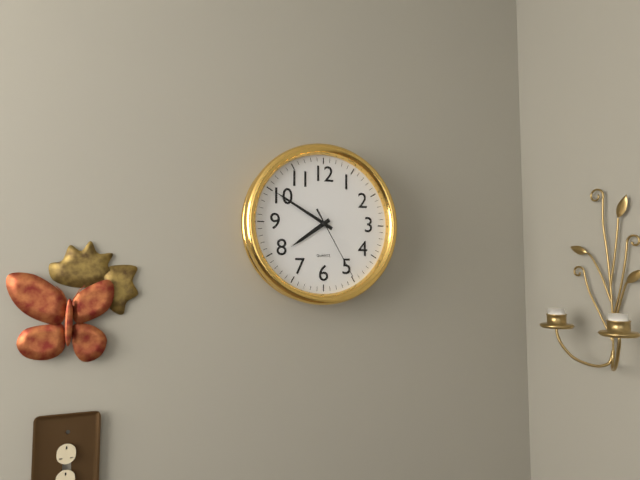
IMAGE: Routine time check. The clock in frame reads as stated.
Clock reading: 7:50:25
